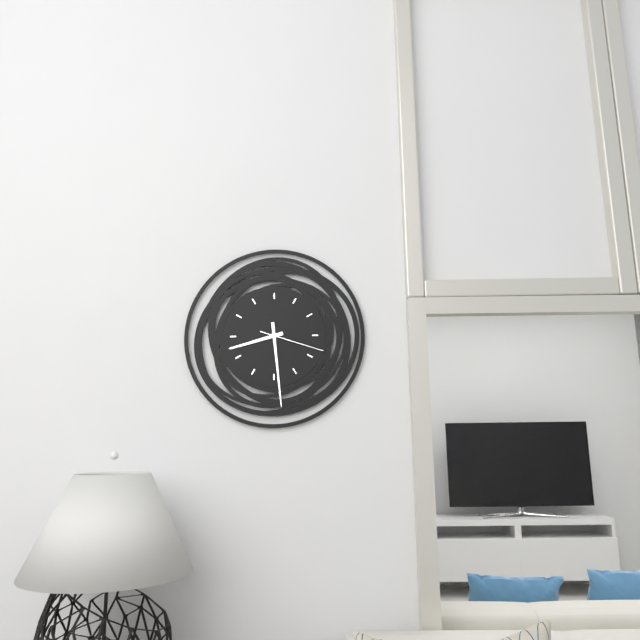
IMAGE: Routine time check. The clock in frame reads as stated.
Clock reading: 8:29:18
